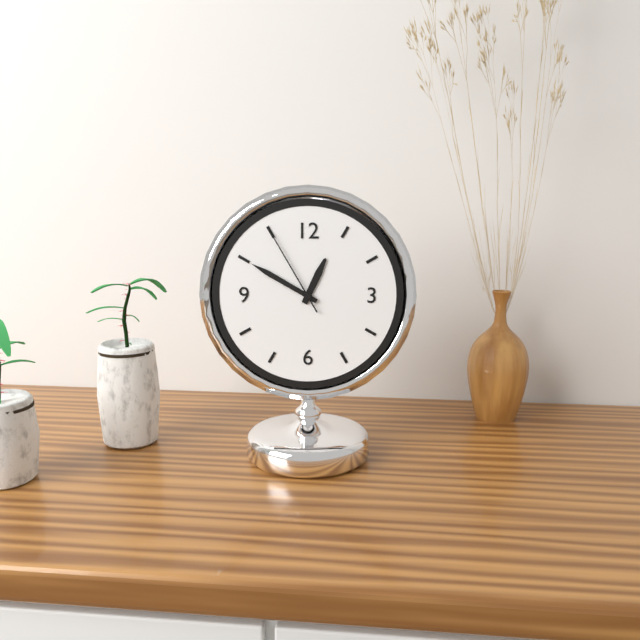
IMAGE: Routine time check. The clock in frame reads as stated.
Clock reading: 12:50:55
